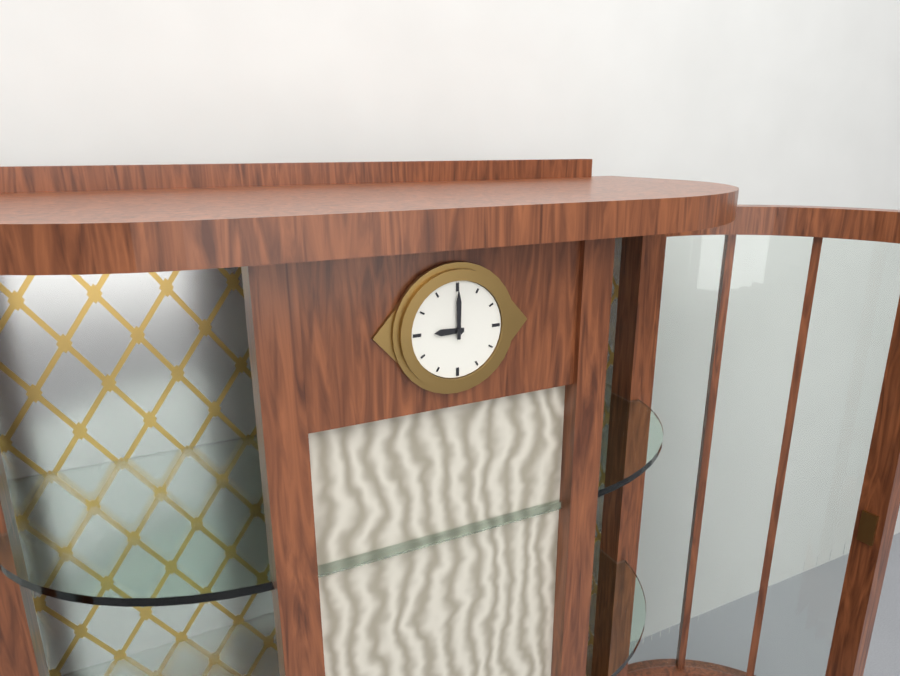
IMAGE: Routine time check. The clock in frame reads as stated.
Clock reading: 9:00
